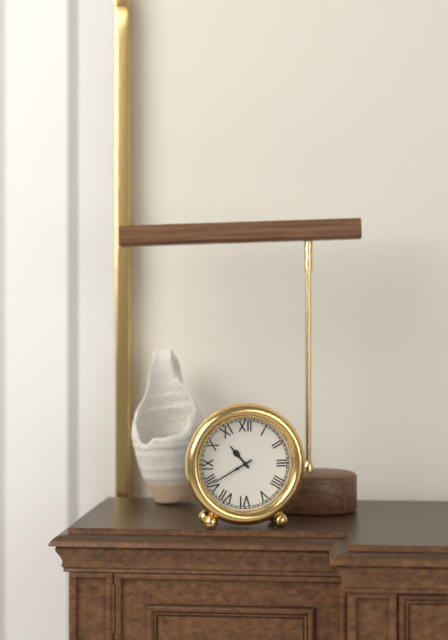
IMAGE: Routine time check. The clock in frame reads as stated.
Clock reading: 10:40
